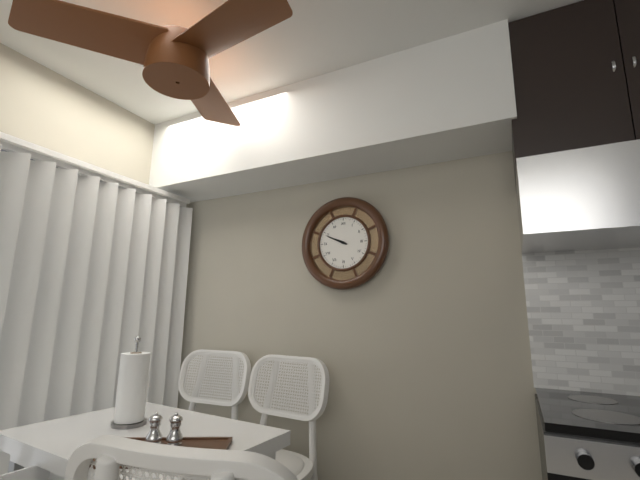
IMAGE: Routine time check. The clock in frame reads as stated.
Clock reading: 9:49
